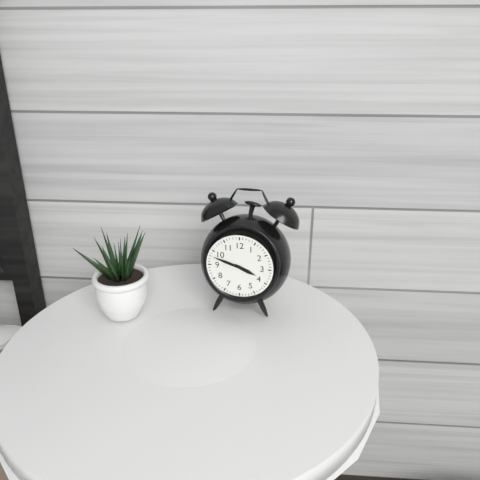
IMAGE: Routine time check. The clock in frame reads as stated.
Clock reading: 3:48
